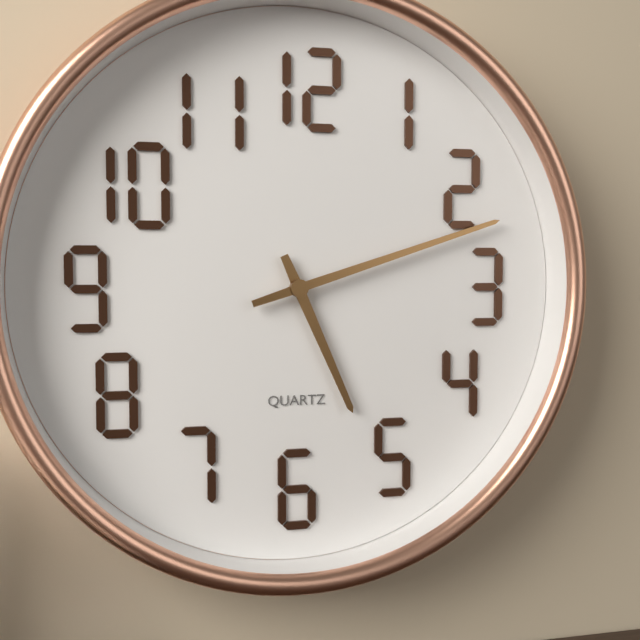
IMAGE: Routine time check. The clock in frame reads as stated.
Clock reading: 5:12
